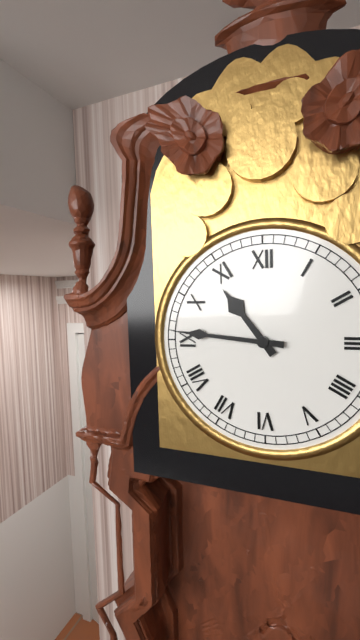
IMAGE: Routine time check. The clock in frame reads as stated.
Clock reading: 10:46
